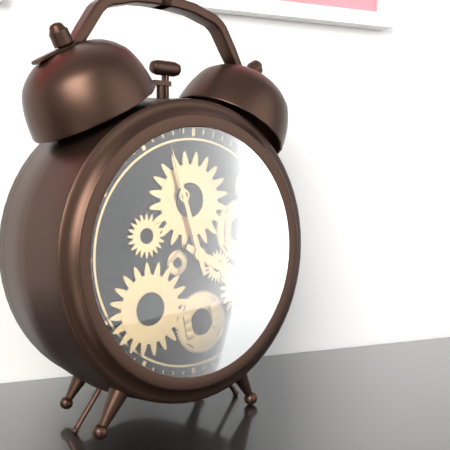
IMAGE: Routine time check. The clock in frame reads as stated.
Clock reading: 3:57
